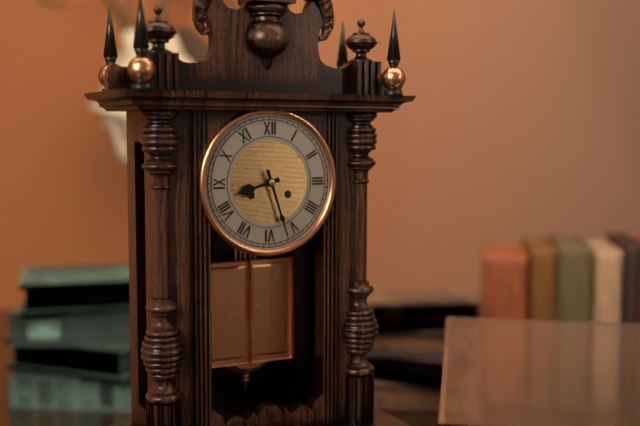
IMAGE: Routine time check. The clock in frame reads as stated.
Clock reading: 8:27
